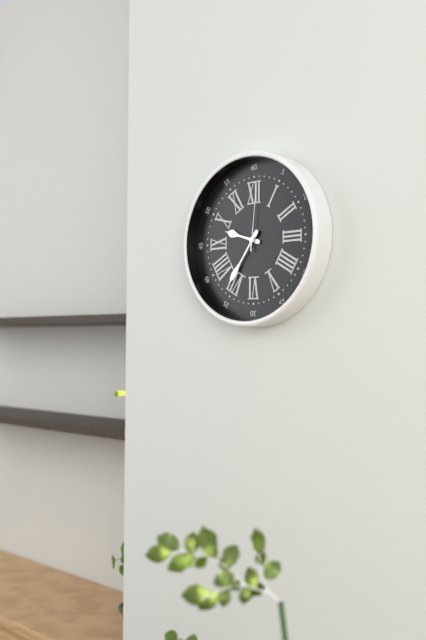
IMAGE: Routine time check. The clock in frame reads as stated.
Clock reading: 9:36:01
